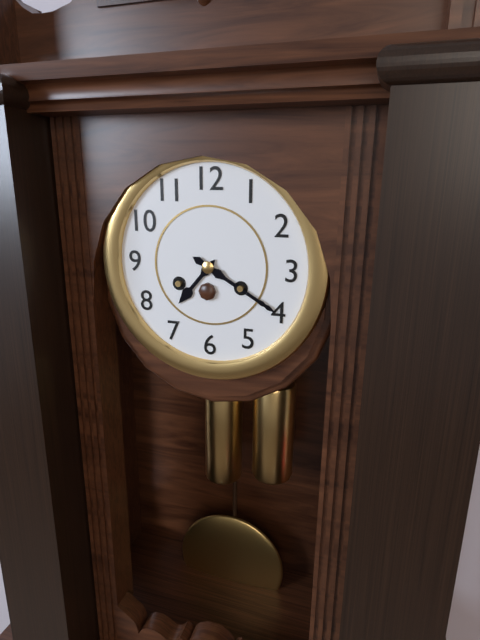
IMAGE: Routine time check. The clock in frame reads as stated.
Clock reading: 7:20
